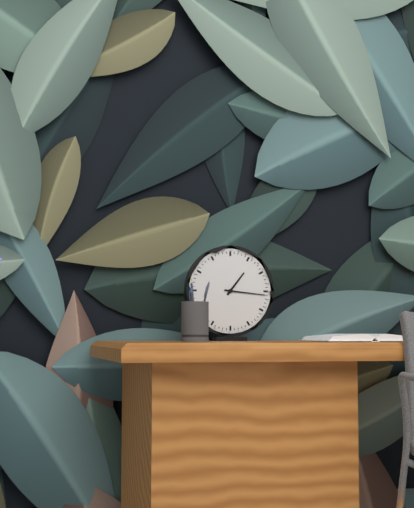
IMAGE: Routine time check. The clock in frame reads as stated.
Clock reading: 1:16
